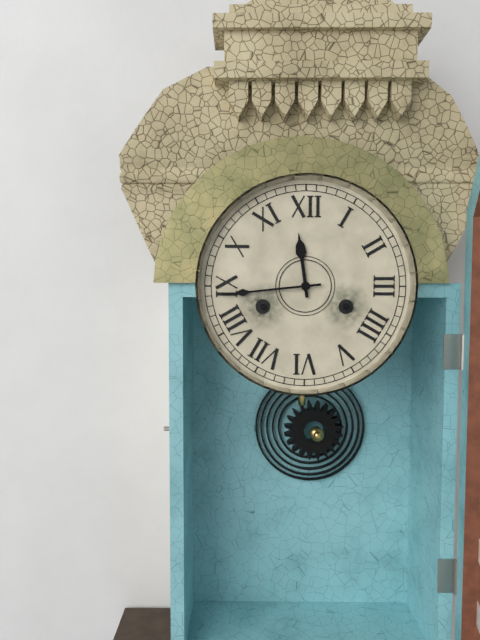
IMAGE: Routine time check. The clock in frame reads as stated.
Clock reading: 11:44
